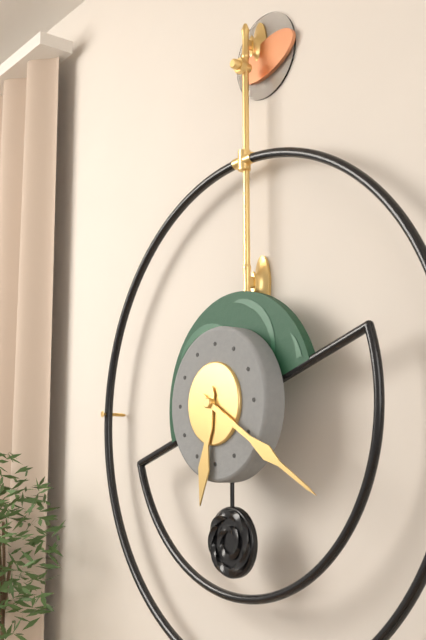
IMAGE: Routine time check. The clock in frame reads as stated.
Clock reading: 6:20
